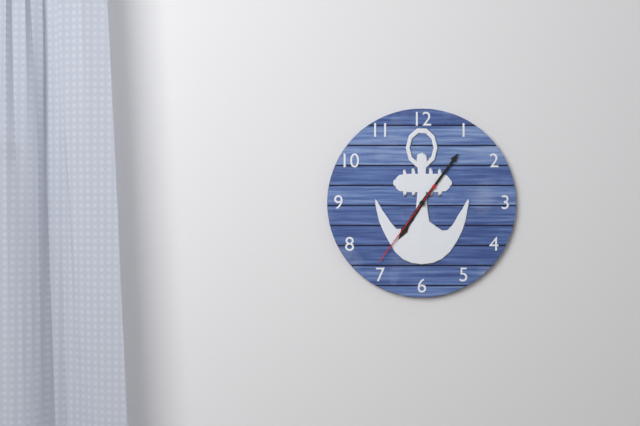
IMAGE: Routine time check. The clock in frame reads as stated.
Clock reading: 7:06:36
